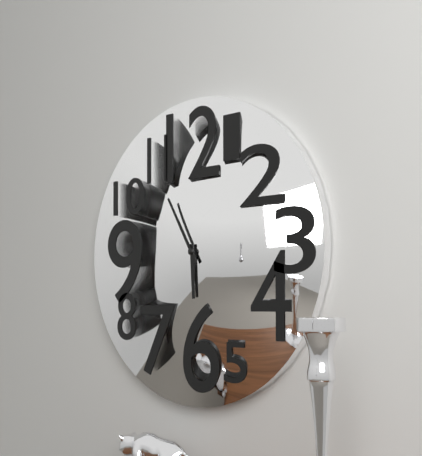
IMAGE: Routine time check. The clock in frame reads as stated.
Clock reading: 5:55
